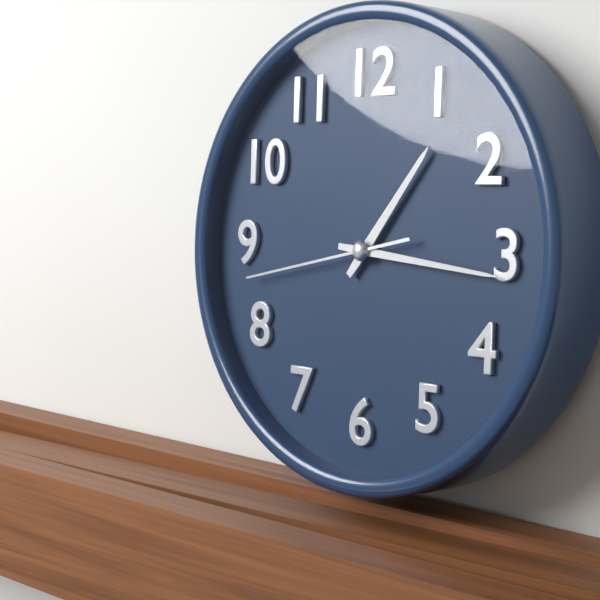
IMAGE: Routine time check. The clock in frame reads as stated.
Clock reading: 1:16:43
